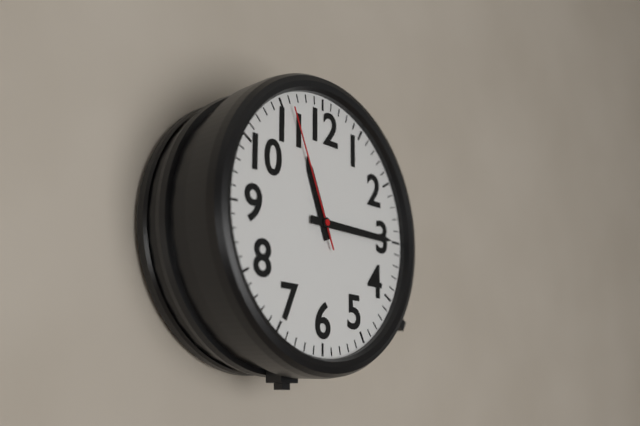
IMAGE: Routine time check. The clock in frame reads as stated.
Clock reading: 11:15:56
